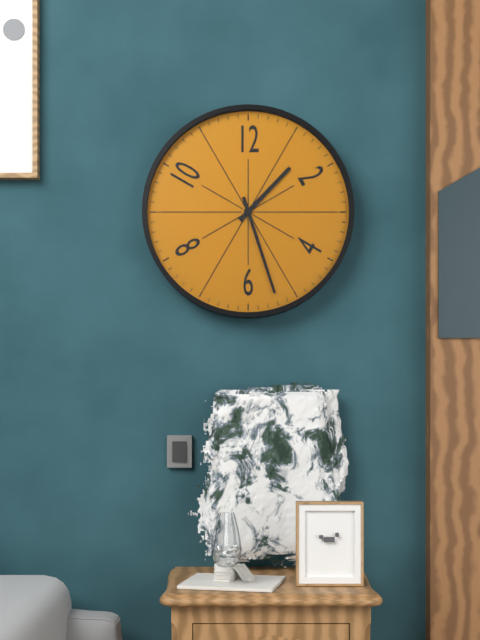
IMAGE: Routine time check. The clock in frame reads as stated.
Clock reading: 1:27
